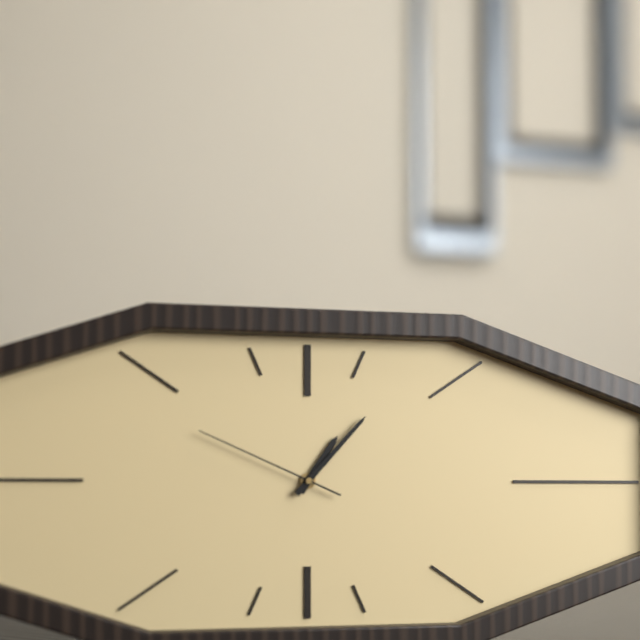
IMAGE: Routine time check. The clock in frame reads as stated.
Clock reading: 1:07:49
